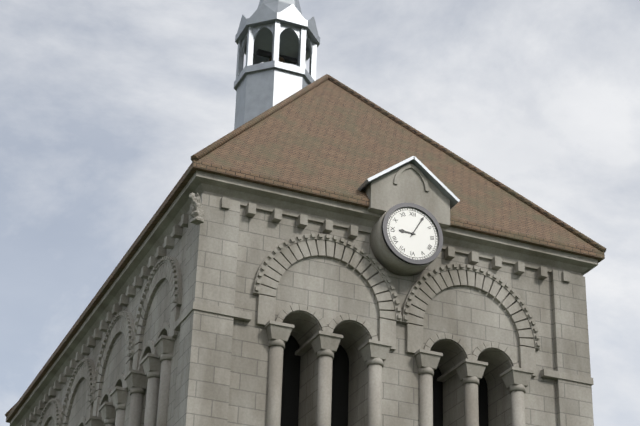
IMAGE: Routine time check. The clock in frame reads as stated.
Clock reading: 9:05
